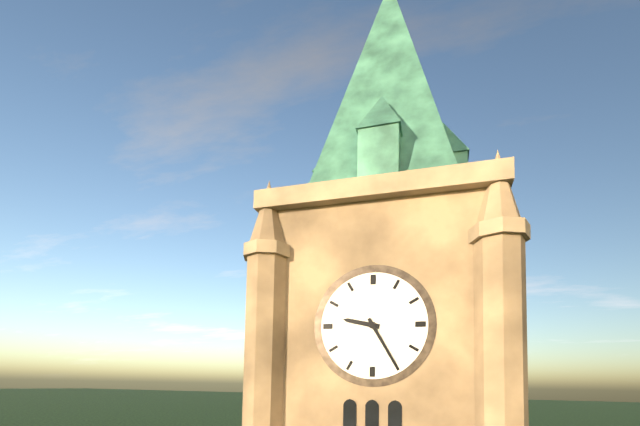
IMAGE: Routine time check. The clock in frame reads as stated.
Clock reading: 9:25
